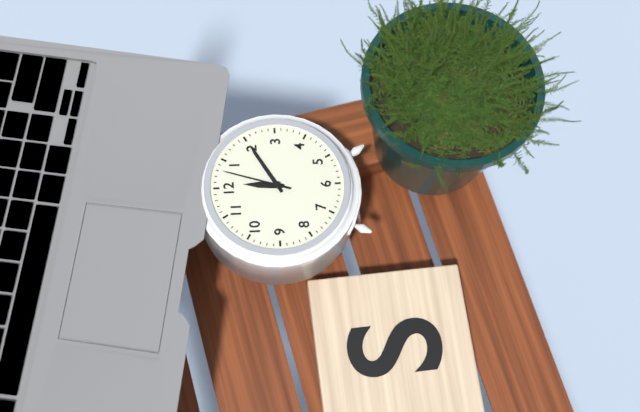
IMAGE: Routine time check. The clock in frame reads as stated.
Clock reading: 12:10:03
